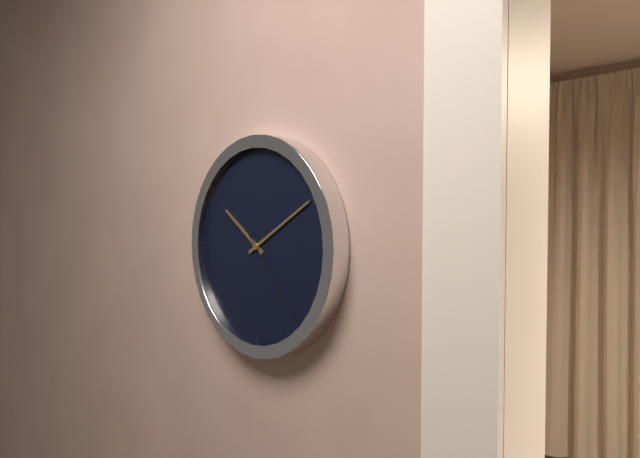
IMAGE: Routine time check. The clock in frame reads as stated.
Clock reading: 10:10:23
